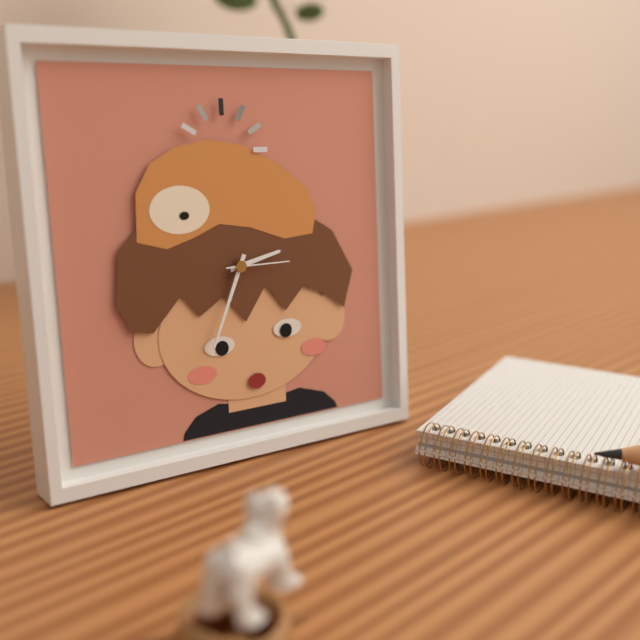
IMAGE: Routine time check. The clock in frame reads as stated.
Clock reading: 2:34:15
